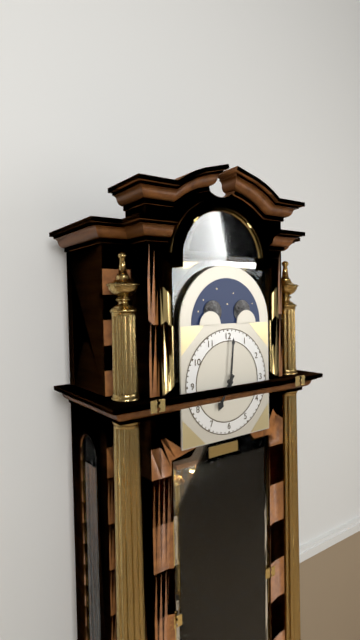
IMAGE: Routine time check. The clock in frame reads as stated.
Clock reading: 7:01
